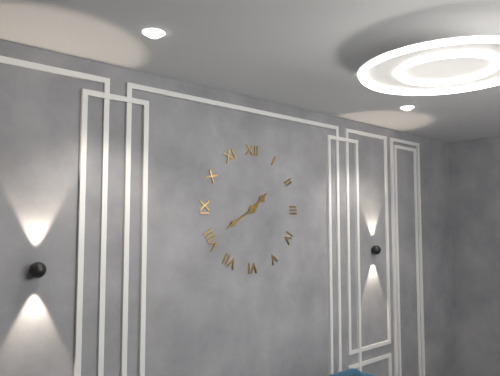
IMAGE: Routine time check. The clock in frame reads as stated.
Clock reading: 1:40
